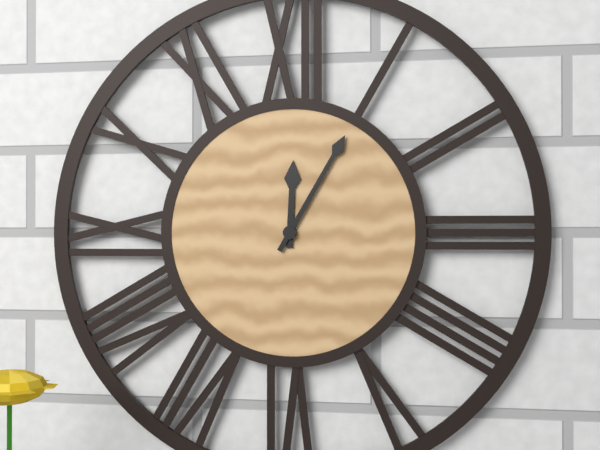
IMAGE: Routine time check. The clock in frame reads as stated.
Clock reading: 12:05
